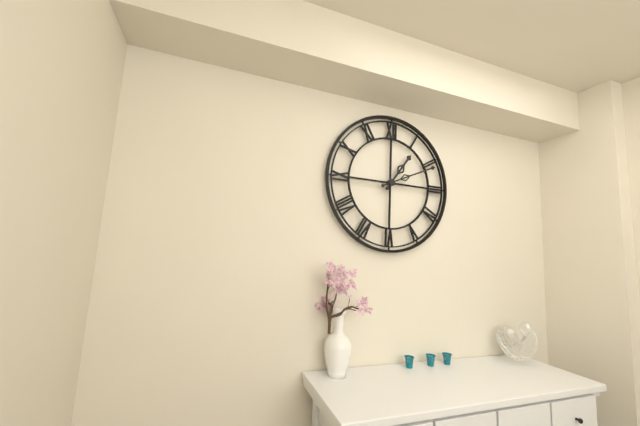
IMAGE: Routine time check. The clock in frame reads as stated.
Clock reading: 1:11
